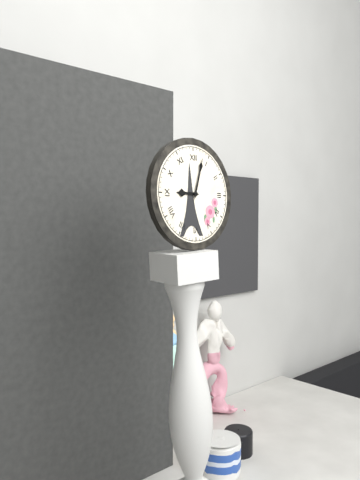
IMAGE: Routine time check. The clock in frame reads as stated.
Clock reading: 9:03
